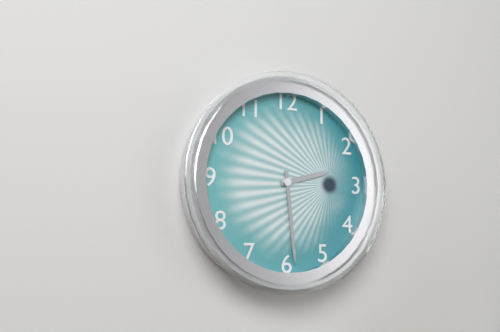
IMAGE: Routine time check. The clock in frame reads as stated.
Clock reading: 2:29
